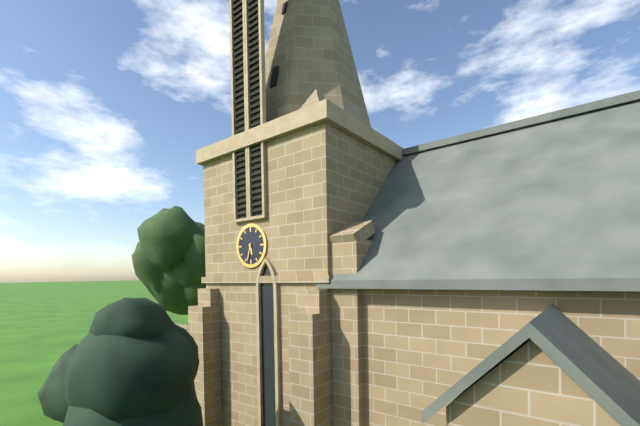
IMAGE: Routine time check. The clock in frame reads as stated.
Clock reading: 5:33
